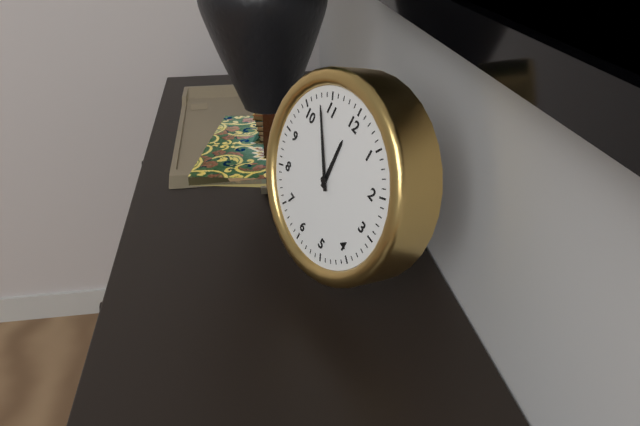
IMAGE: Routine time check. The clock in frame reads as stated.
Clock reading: 11:53
